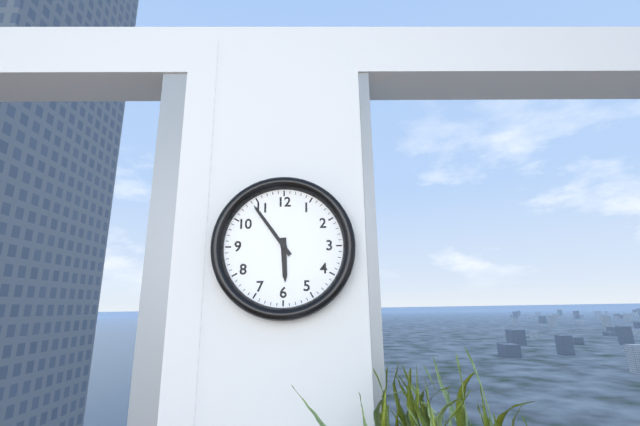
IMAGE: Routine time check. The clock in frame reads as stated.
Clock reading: 5:54
